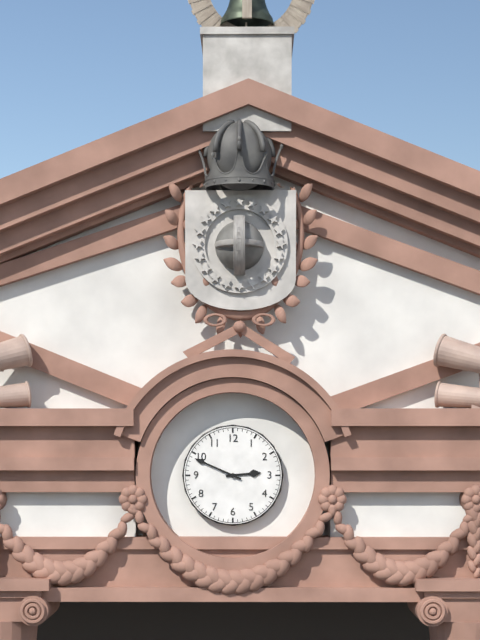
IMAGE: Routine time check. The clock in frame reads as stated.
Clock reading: 2:49
